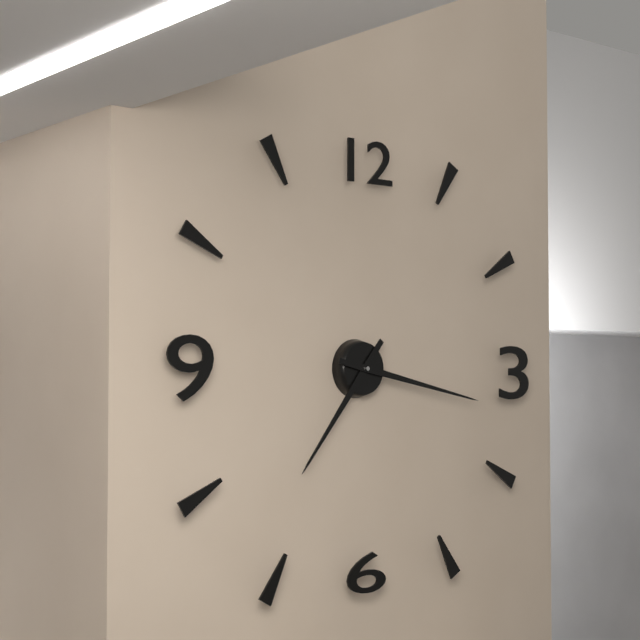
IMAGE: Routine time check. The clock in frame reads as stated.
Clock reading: 7:17
